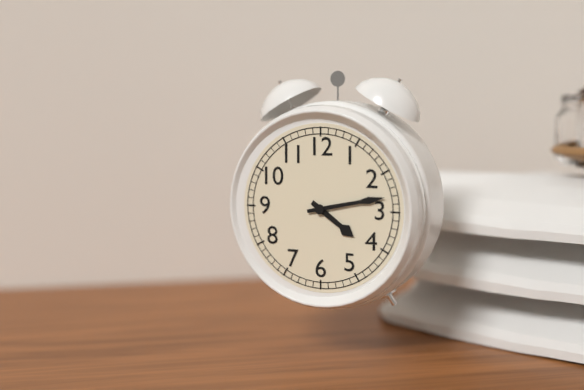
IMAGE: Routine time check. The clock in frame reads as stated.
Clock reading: 4:13
